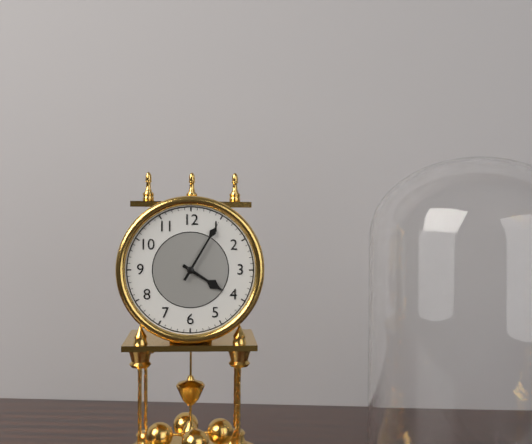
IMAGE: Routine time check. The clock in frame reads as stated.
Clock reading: 4:05
